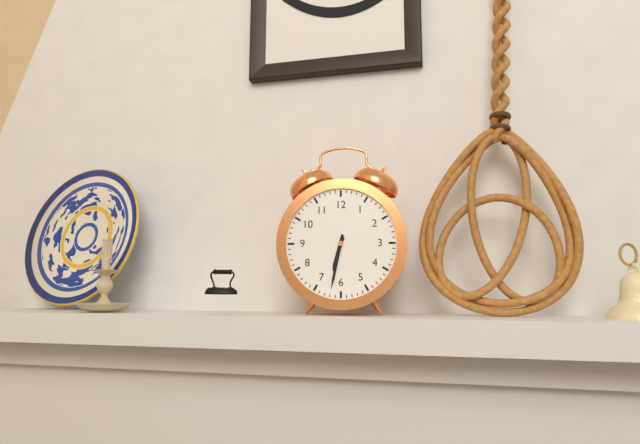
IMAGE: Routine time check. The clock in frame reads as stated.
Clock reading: 6:32
